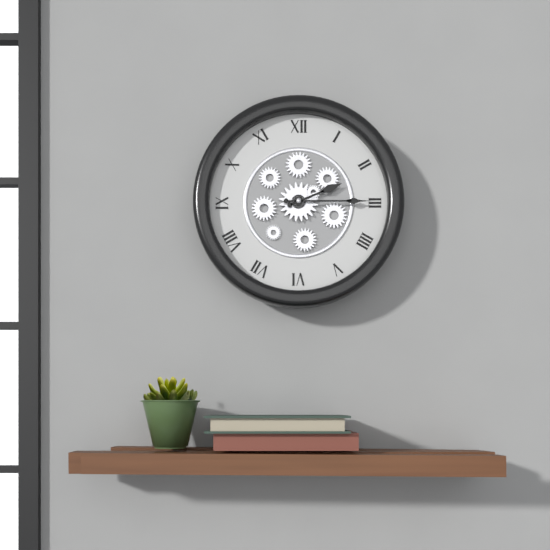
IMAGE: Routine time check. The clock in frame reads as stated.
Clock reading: 2:15
